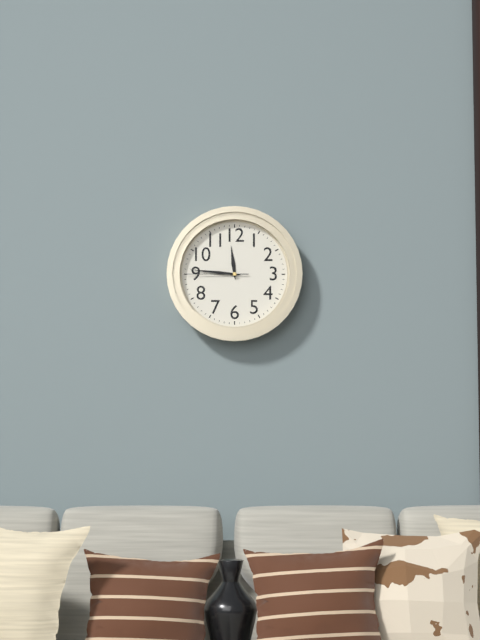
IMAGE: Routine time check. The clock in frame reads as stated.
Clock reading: 11:46:45
